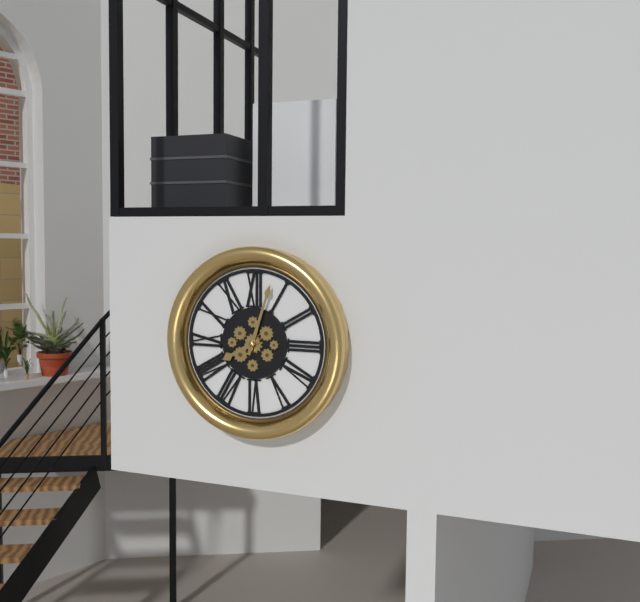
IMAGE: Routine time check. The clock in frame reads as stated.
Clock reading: 8:03
